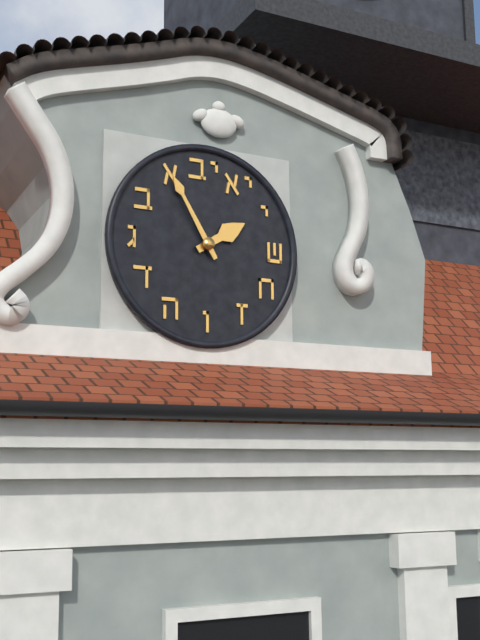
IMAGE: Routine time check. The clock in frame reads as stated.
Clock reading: 1:55
